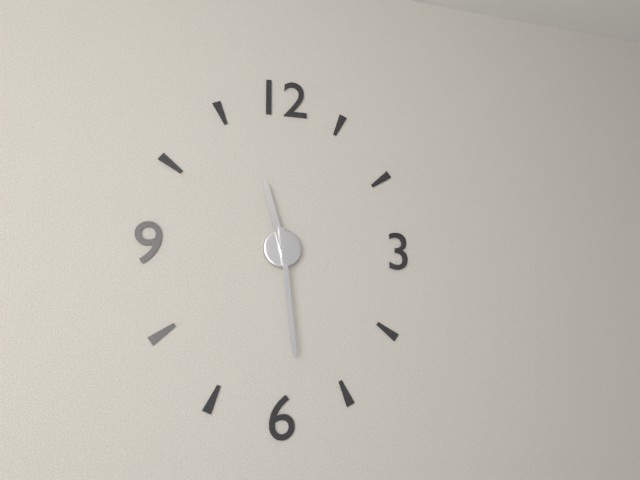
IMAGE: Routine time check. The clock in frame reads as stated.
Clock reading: 11:29
